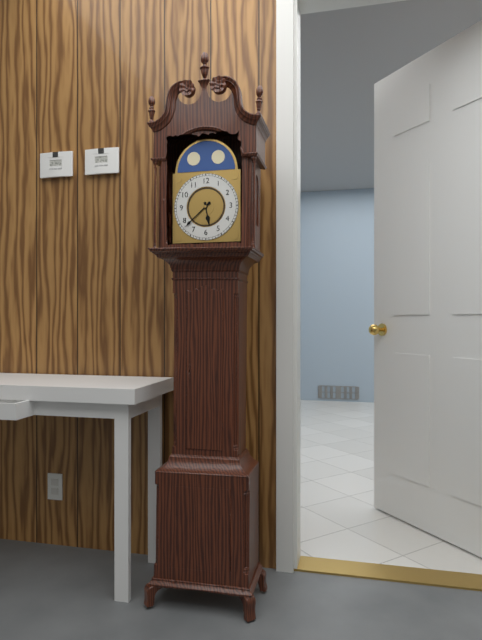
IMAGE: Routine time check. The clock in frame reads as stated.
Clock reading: 5:38
